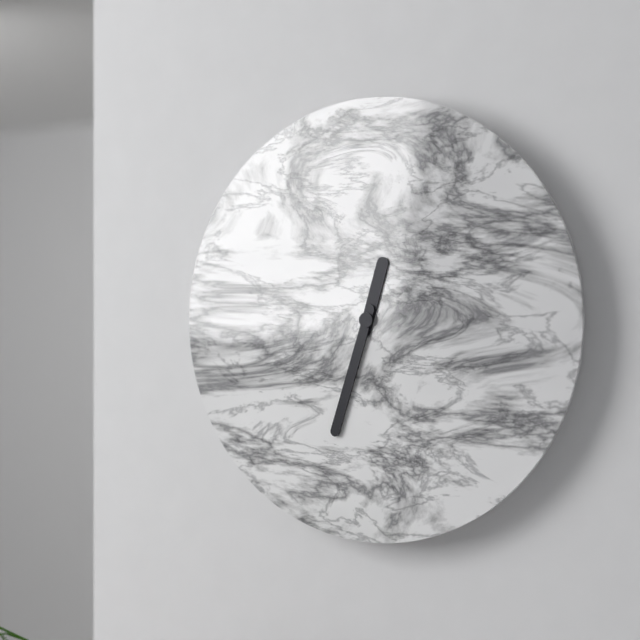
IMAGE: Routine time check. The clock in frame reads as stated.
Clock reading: 12:33
